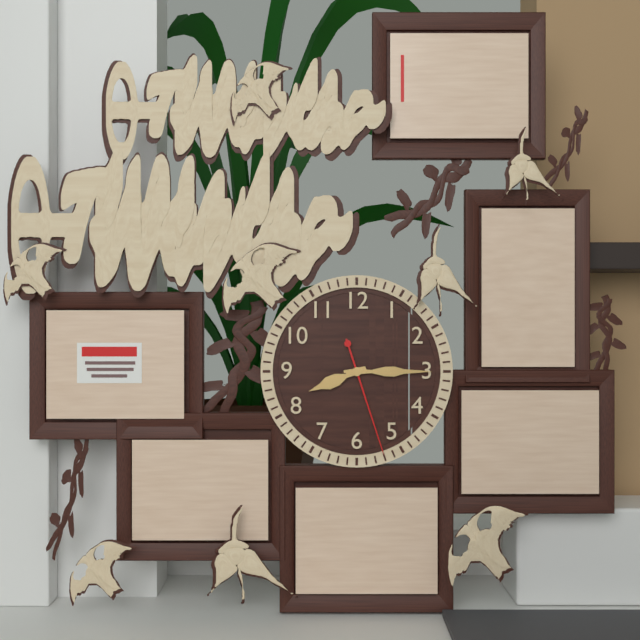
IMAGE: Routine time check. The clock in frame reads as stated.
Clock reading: 8:15:27
